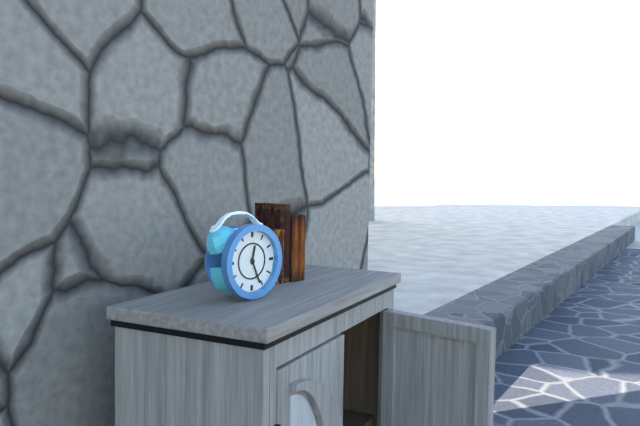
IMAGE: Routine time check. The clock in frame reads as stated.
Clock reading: 12:26
